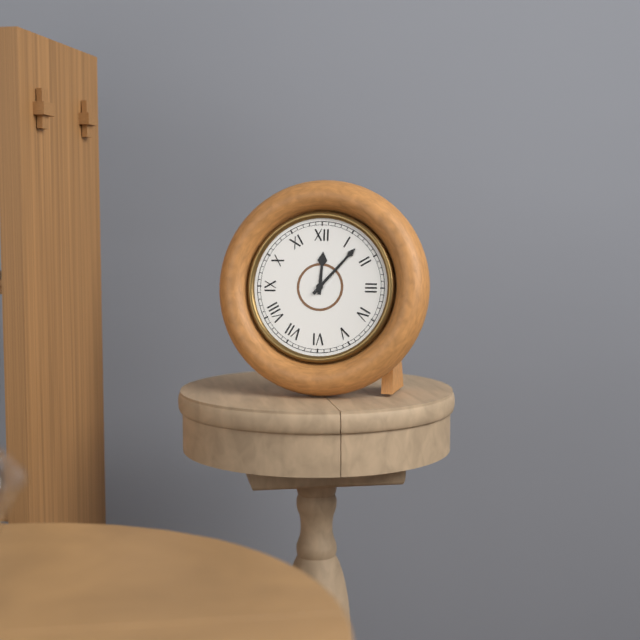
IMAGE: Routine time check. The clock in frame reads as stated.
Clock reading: 12:07
